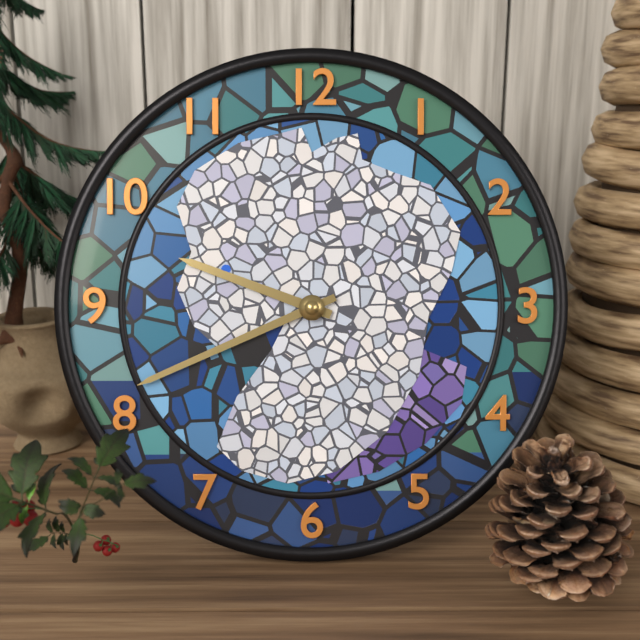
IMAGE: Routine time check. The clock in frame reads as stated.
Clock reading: 9:41
